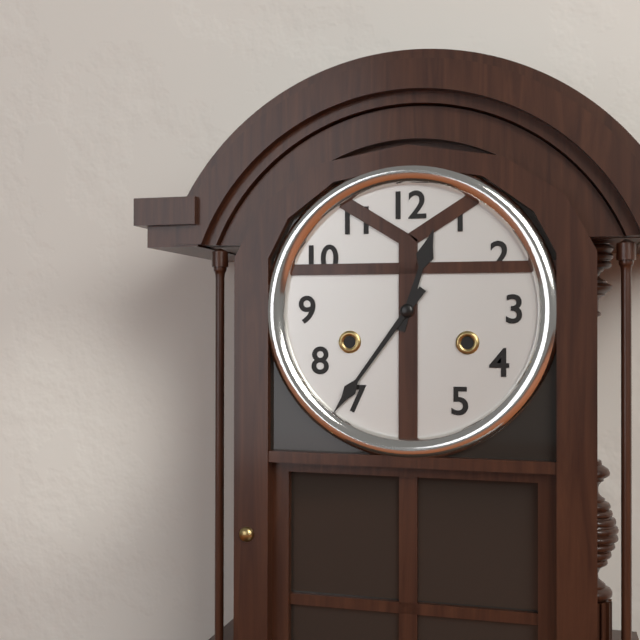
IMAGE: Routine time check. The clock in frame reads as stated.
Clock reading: 12:36
